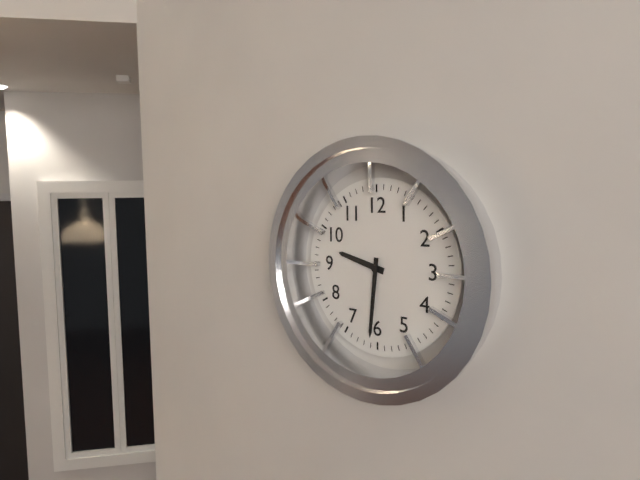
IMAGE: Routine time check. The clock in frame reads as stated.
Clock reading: 9:31
